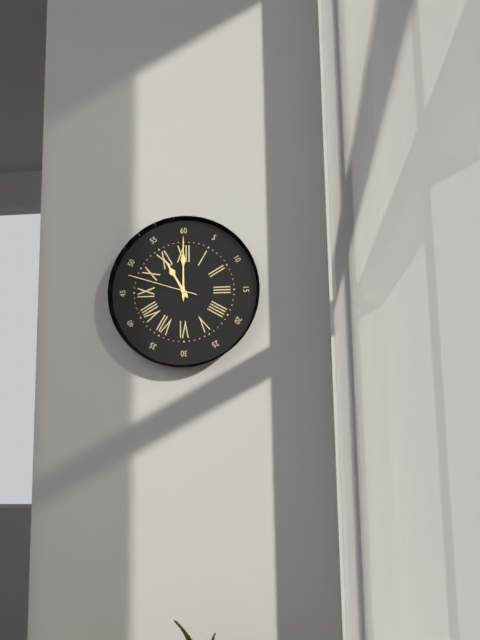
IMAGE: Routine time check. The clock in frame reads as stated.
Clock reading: 11:00:48
